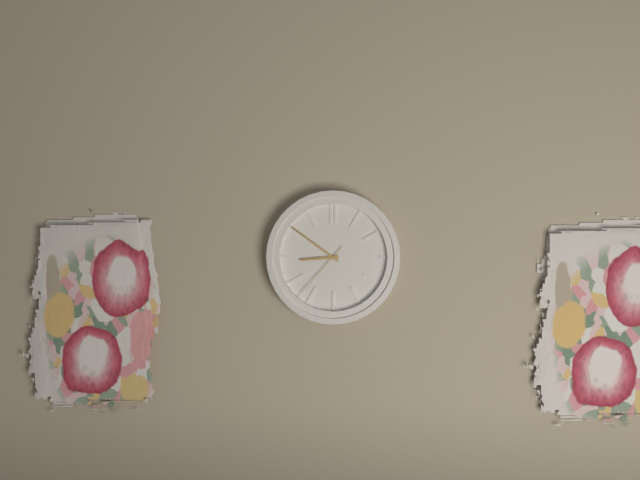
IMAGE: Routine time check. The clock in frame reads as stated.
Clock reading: 8:51:37
